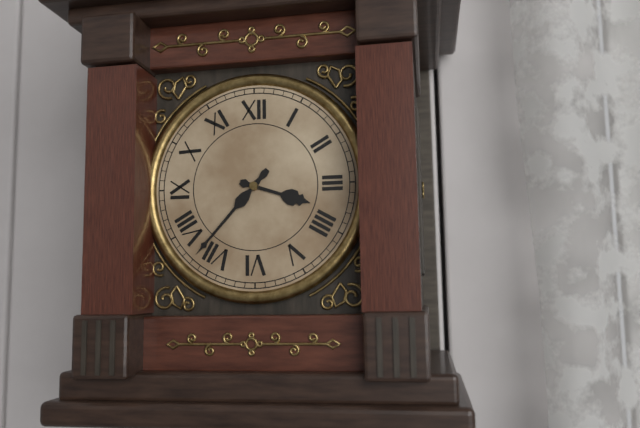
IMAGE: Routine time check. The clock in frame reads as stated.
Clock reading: 3:37
